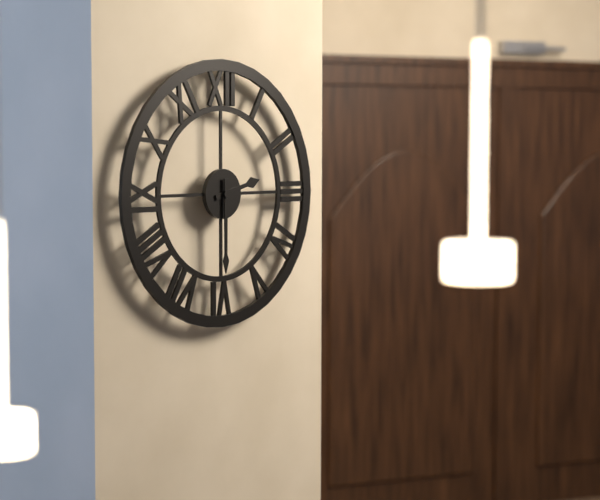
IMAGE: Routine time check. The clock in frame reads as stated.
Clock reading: 2:30
